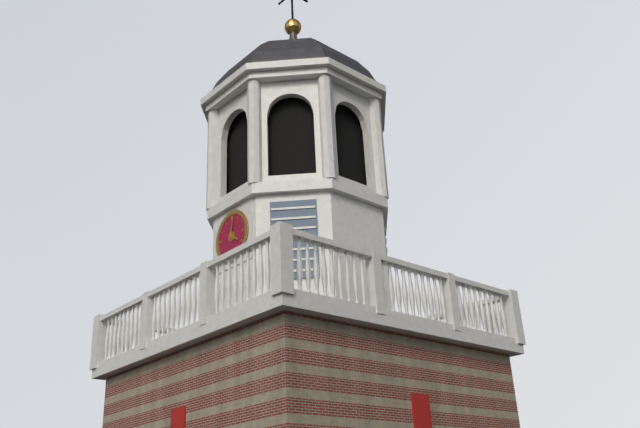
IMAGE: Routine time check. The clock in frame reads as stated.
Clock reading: 4:02
